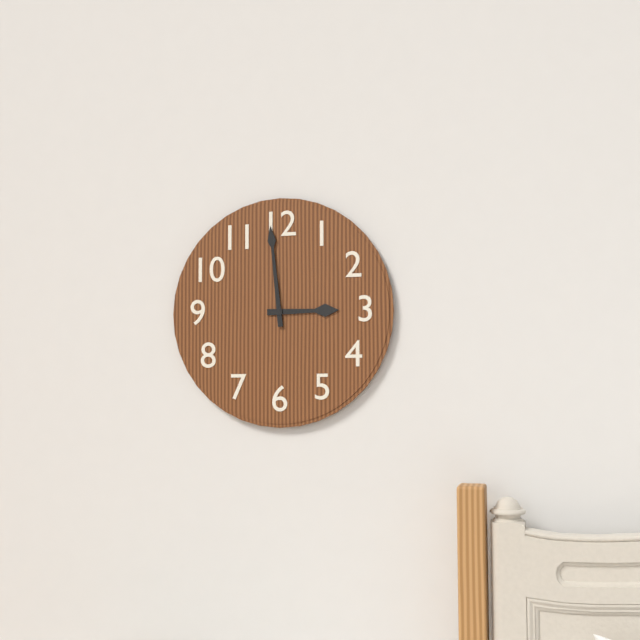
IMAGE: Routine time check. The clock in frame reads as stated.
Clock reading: 2:59
